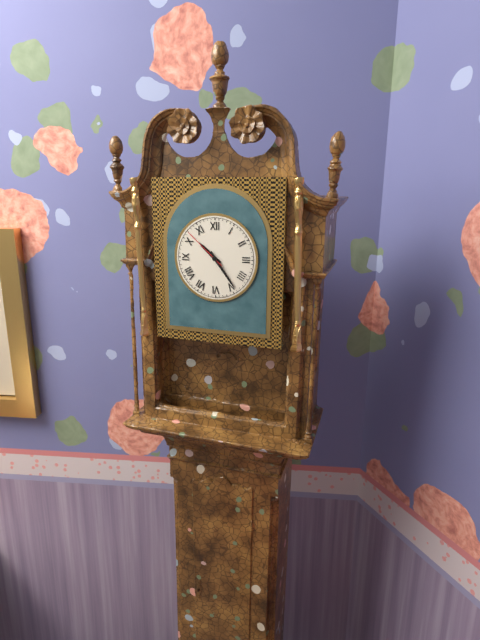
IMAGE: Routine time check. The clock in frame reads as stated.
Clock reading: 10:24
